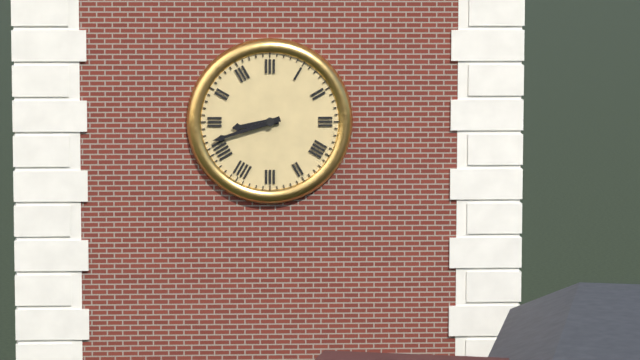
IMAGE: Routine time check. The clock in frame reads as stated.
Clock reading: 8:42
